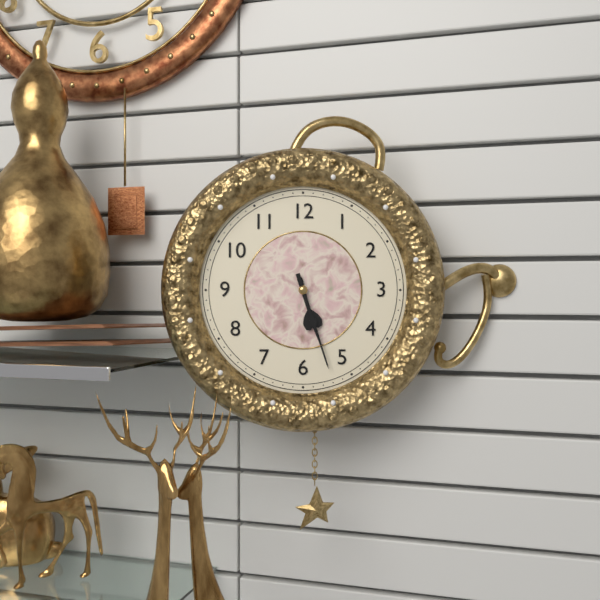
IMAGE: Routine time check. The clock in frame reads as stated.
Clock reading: 5:27
